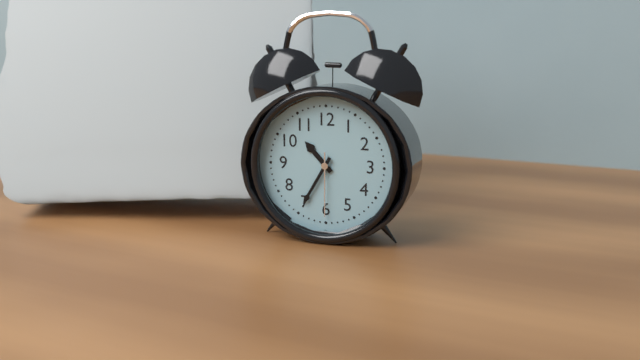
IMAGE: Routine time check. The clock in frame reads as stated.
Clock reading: 10:35:30
